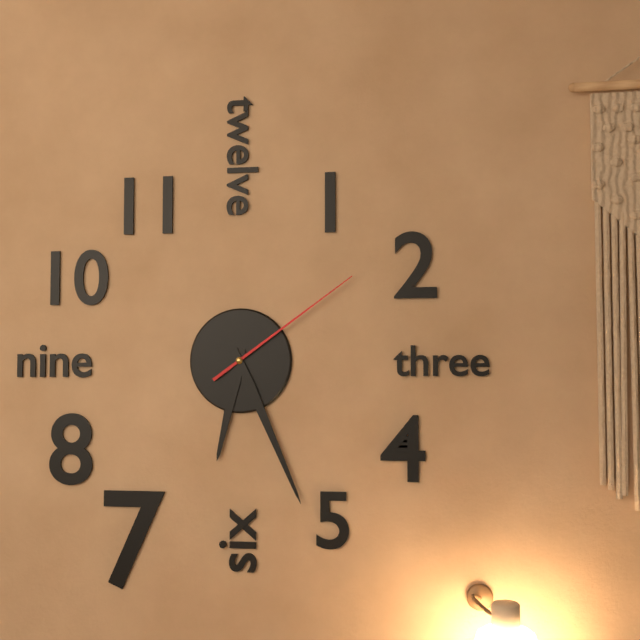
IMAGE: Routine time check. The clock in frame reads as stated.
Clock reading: 6:26:09
